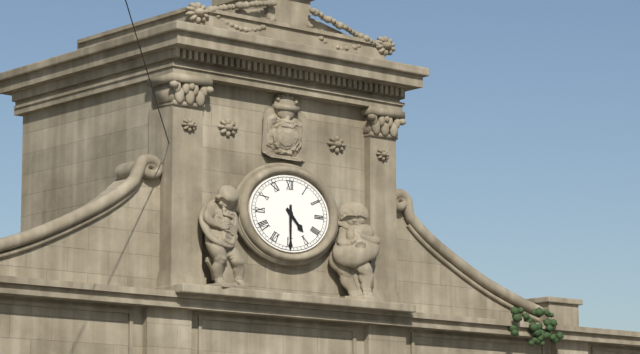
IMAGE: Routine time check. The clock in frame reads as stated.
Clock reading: 4:30
